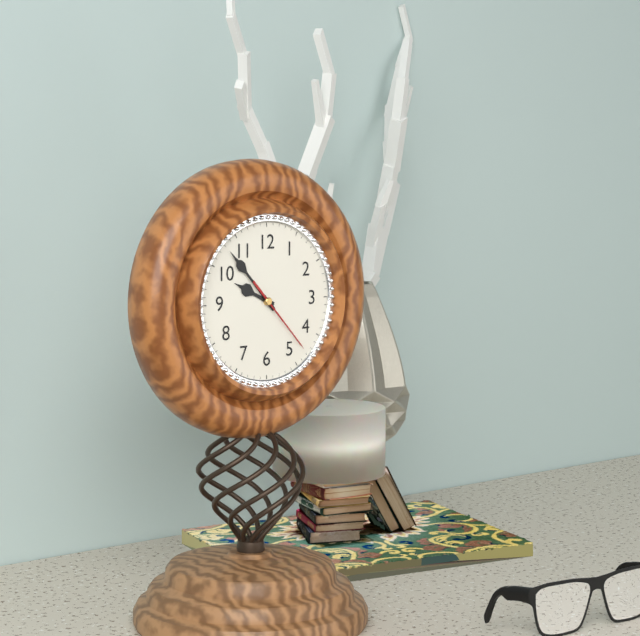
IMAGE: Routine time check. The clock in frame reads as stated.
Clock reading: 9:53:23
